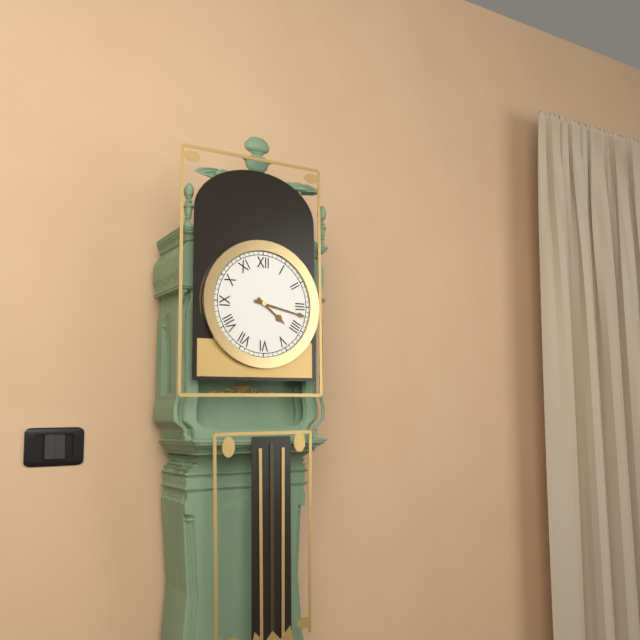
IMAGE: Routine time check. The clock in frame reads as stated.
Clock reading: 4:17
